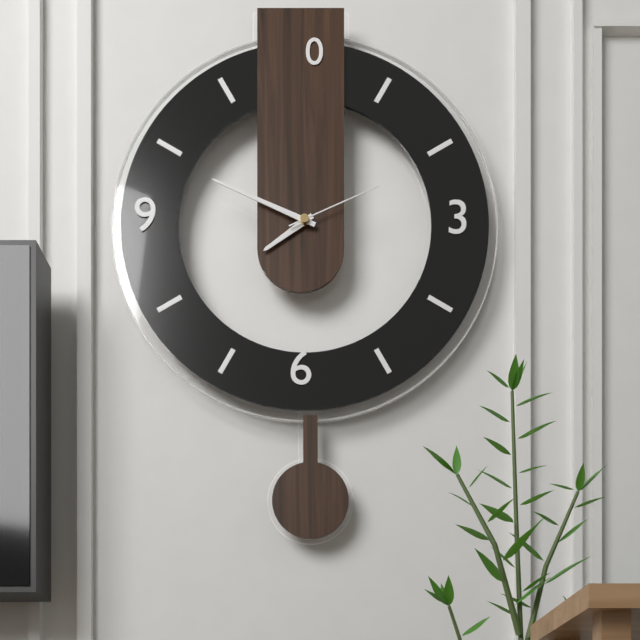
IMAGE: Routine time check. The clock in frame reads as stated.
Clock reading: 7:49:11
